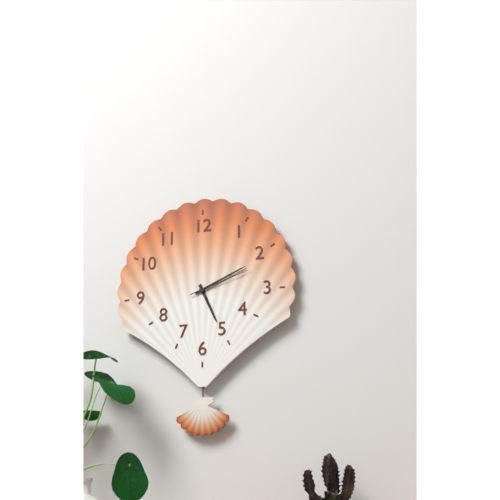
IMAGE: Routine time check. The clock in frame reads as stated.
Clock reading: 5:11:12
